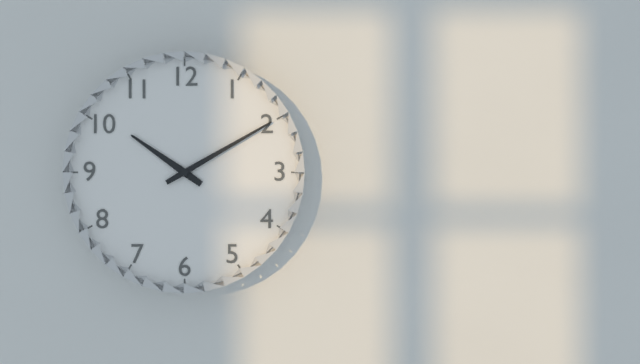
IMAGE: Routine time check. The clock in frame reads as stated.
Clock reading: 10:10
